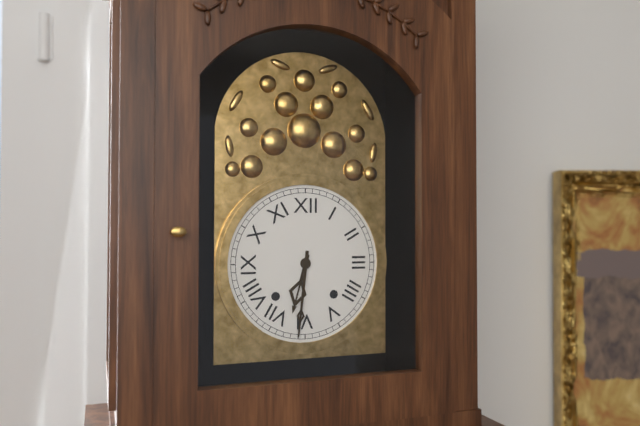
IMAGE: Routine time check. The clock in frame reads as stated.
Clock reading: 6:31
